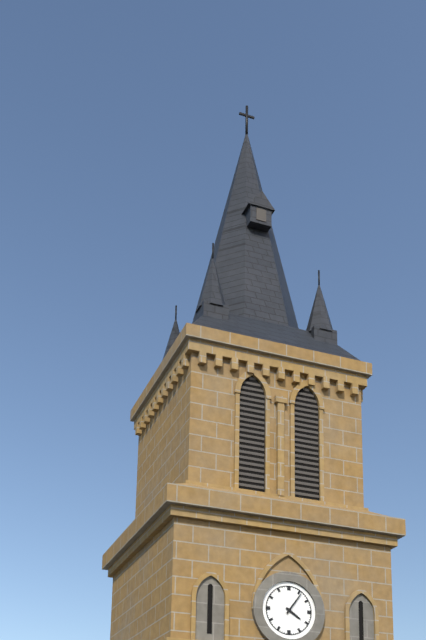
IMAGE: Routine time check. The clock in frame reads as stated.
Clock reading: 4:06
